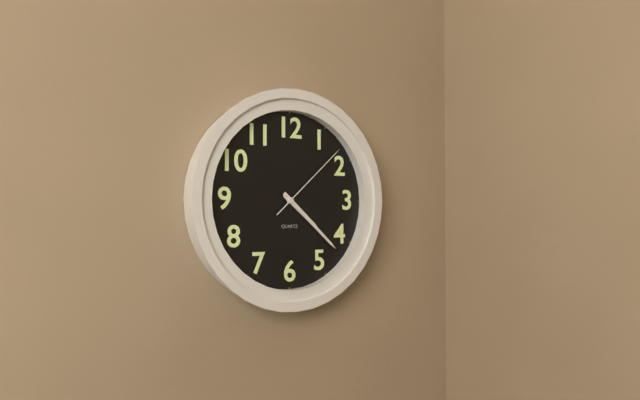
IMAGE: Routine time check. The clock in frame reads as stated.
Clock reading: 4:22:08
